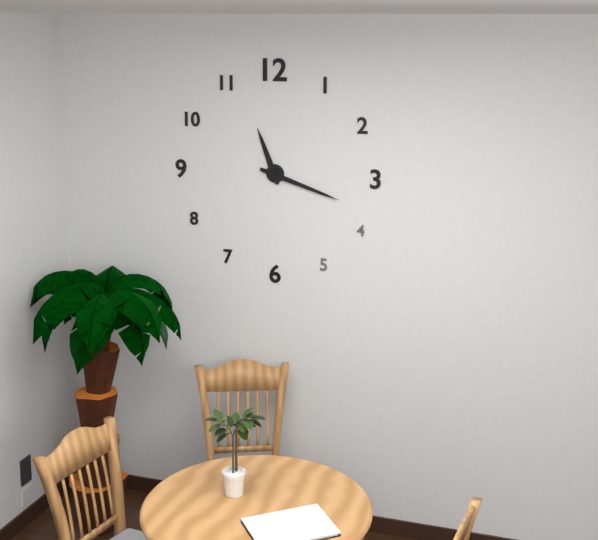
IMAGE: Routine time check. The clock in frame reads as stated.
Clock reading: 11:18
